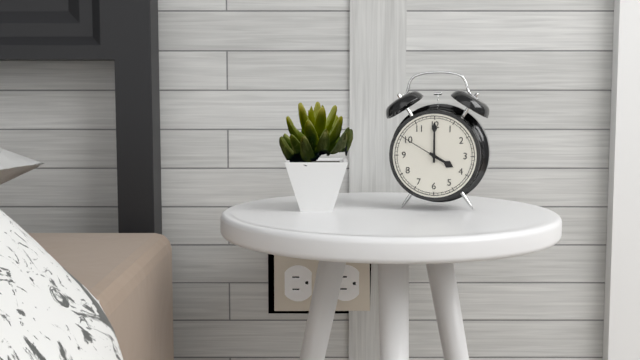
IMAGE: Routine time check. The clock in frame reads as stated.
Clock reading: 4:00
